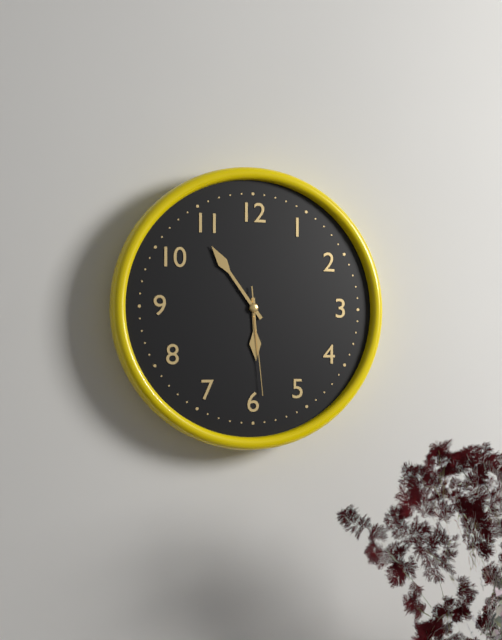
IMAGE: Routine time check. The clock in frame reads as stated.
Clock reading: 5:54:29
